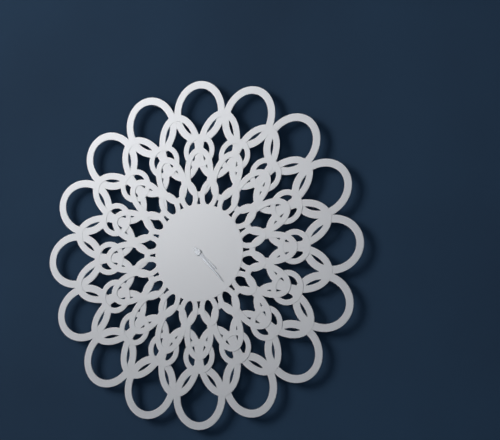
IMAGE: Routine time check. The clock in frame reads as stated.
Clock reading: 4:23
